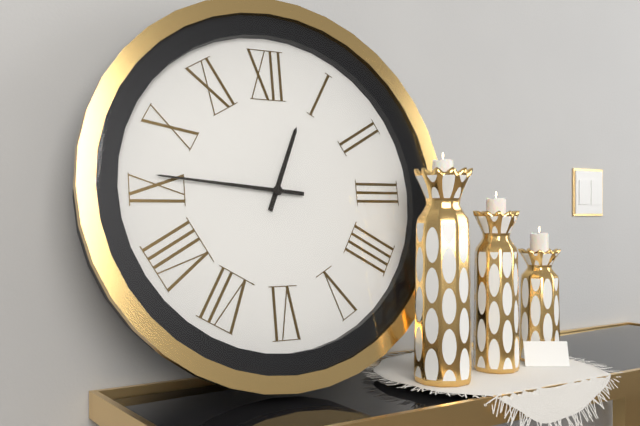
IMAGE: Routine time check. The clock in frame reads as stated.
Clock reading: 12:46
